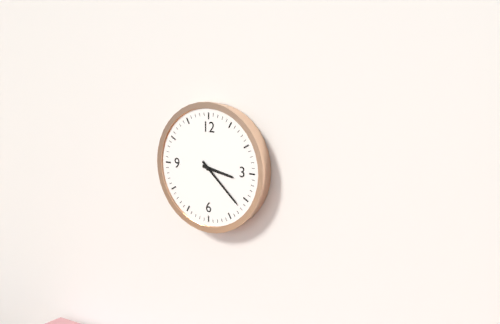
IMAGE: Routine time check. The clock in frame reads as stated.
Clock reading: 3:22
